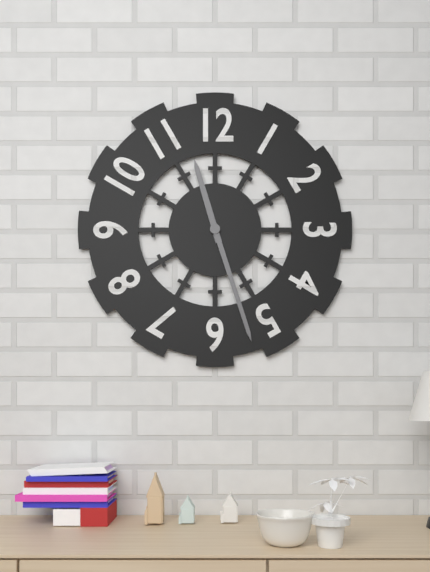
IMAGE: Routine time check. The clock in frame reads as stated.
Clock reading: 11:27
